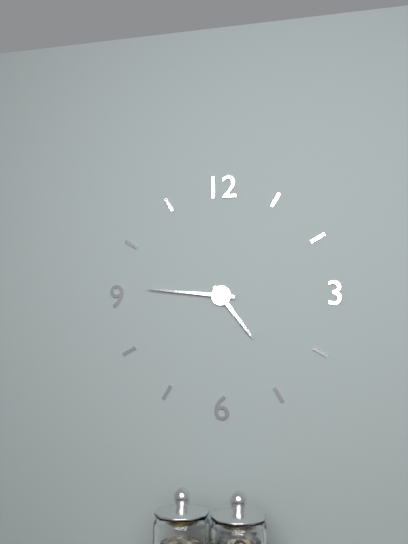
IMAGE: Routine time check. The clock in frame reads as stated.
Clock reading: 4:46
